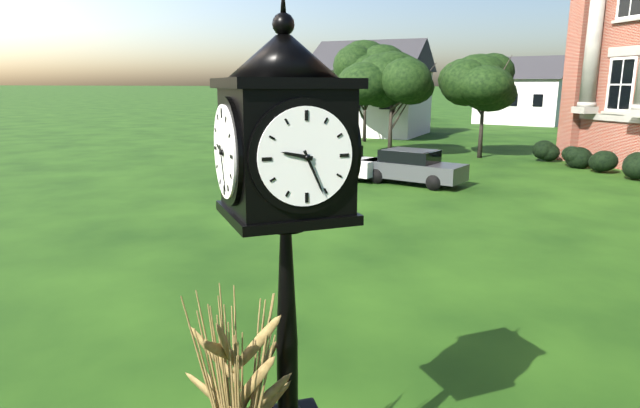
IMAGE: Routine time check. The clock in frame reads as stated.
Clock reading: 9:26
